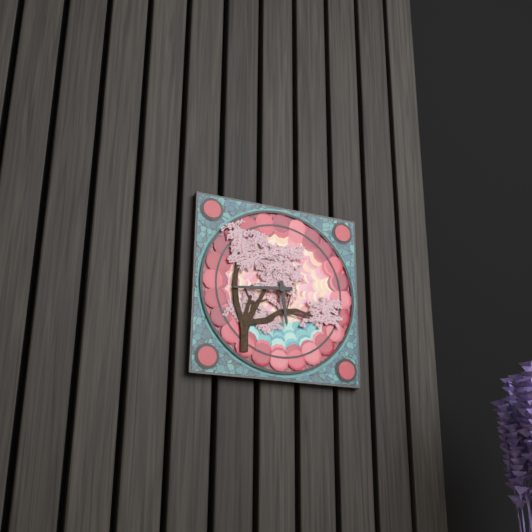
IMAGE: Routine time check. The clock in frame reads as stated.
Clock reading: 5:44
